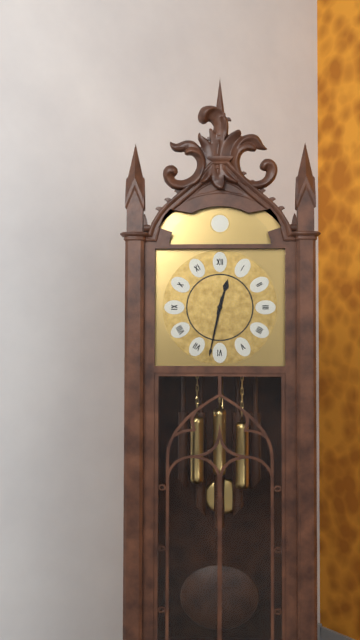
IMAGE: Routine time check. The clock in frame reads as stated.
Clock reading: 12:32
